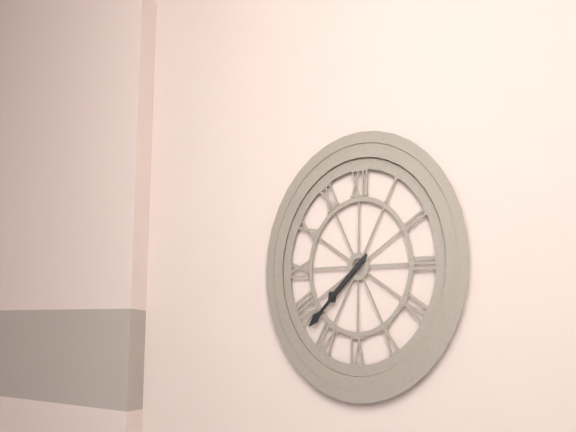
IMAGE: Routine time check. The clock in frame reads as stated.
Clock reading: 7:38
